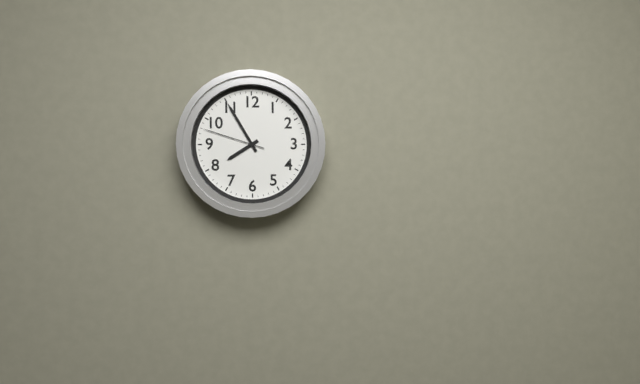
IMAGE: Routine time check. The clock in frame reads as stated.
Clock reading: 7:55:48
